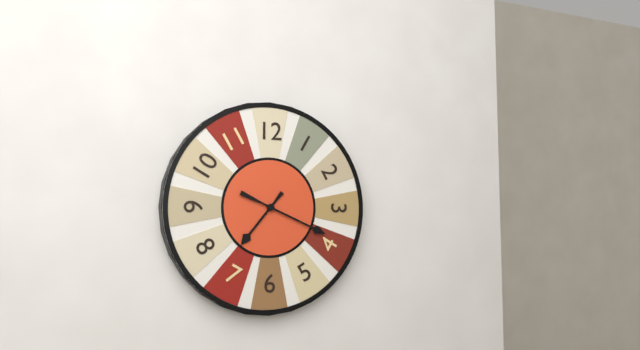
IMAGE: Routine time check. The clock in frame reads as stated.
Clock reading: 7:19
